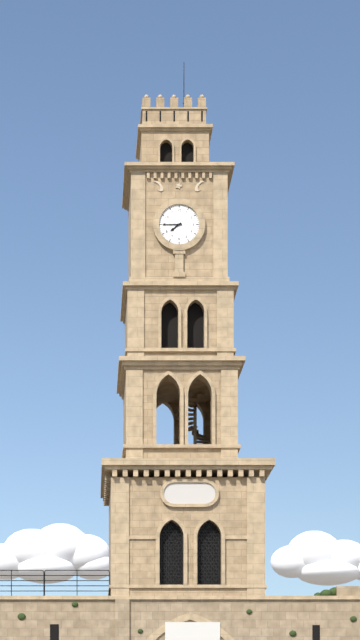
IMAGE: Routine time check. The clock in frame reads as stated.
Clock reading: 7:45
